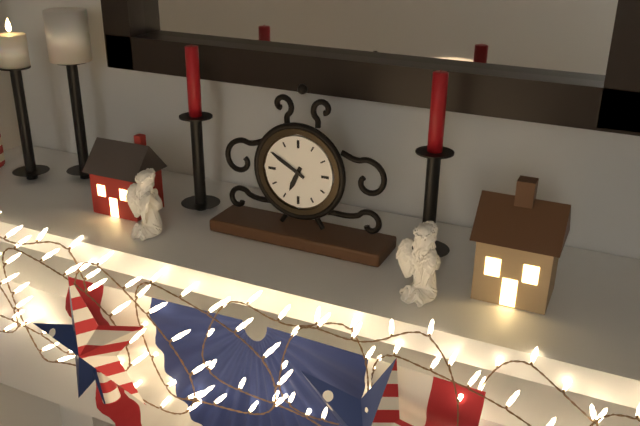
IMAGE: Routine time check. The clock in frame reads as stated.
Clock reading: 6:50
